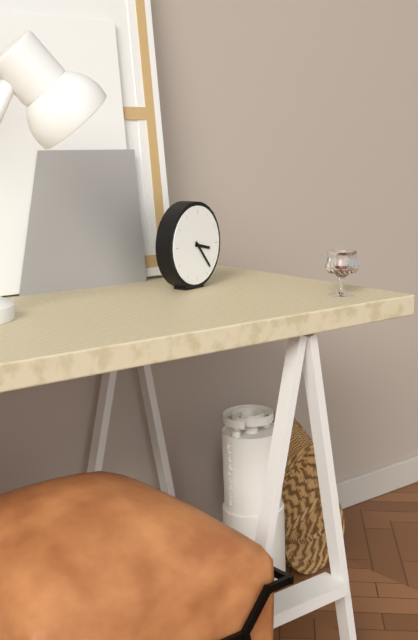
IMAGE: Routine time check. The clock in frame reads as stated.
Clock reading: 3:23
